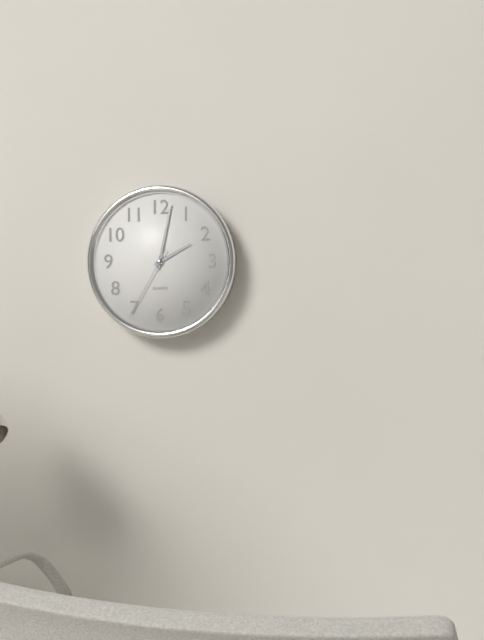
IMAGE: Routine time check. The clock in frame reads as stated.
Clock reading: 2:02:35
